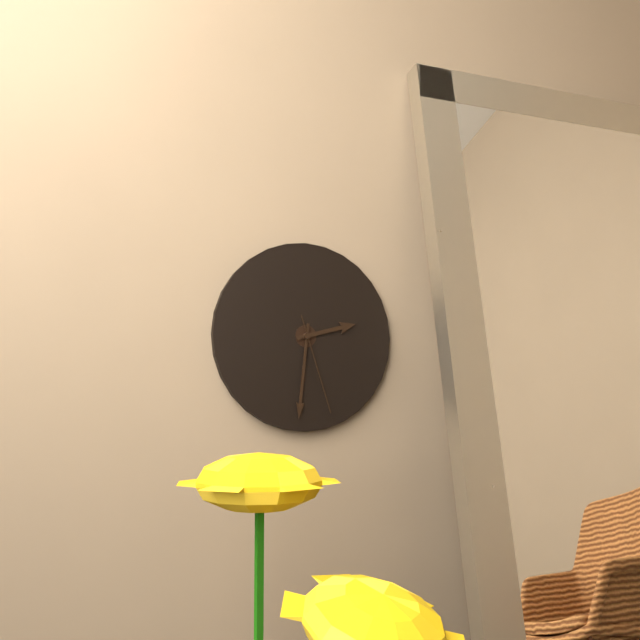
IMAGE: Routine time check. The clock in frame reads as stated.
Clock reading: 2:31:27
